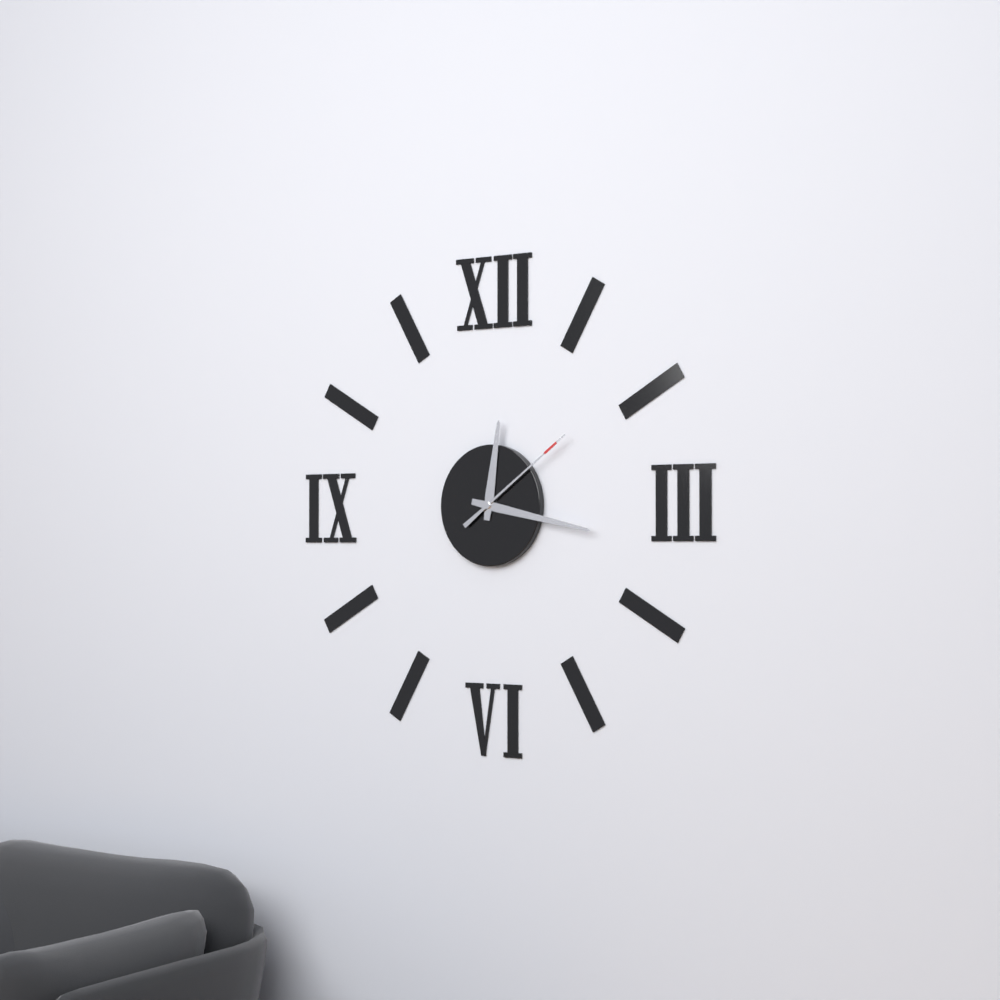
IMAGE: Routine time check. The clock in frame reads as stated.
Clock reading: 12:17:09
